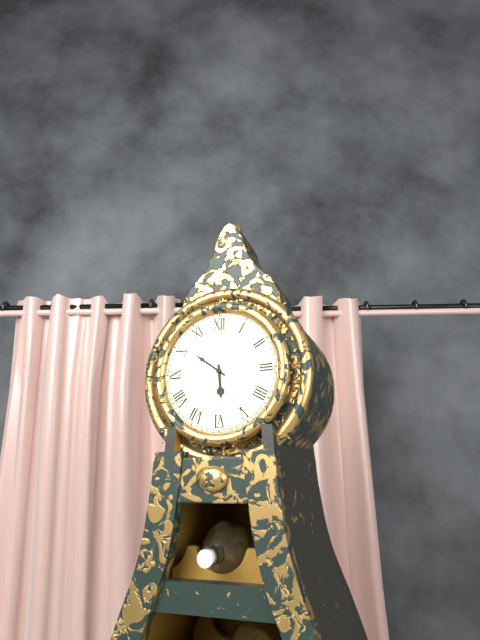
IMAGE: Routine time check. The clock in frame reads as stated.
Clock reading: 5:51
